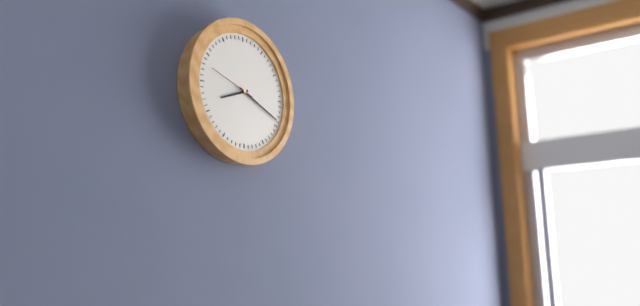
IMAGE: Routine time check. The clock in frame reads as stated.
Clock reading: 8:19:48
